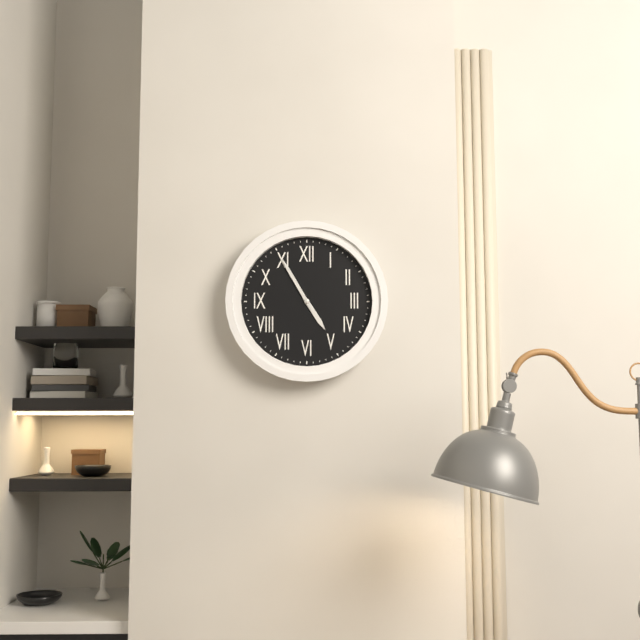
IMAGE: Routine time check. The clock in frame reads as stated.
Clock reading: 4:55
